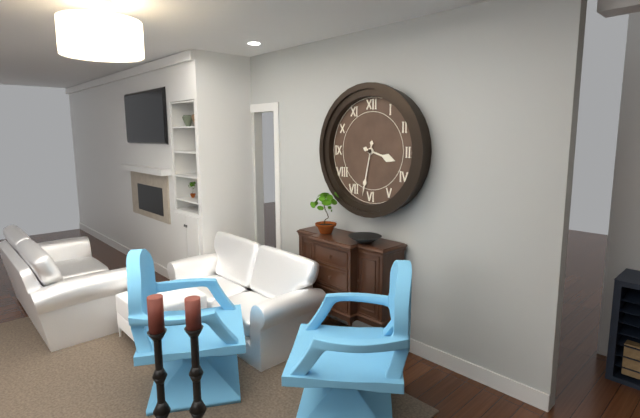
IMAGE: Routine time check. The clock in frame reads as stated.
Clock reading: 3:32
